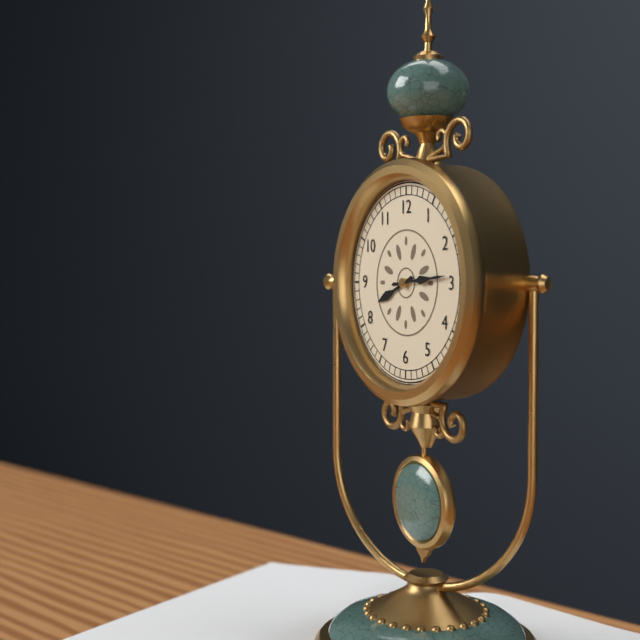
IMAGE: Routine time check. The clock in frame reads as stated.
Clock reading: 8:14
